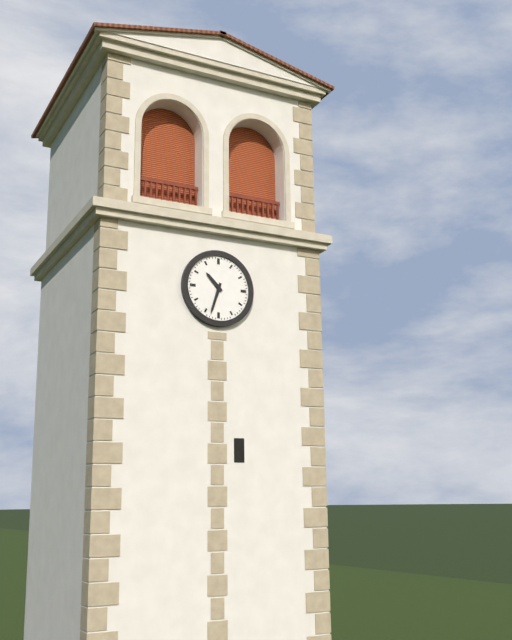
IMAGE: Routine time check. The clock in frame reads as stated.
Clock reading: 10:33
